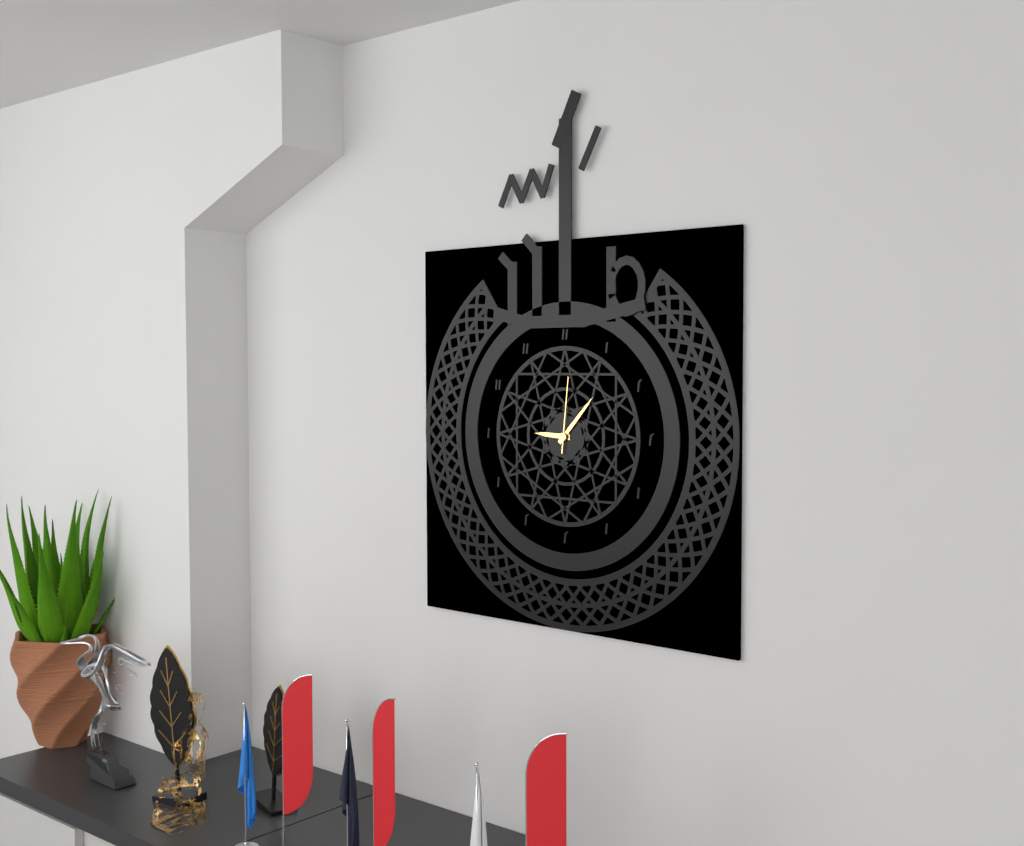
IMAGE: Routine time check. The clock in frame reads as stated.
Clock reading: 9:07:01
